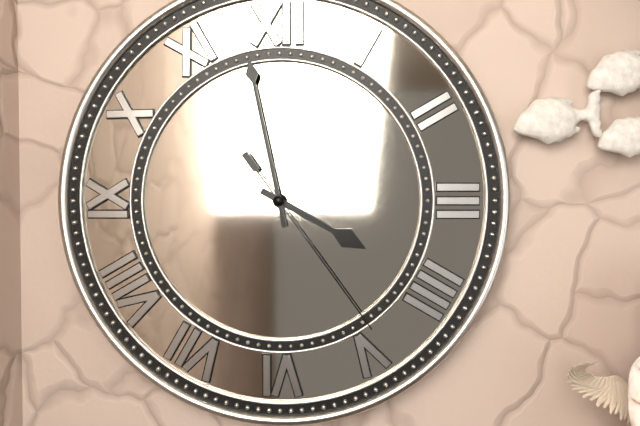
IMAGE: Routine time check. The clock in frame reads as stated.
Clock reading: 3:58:24
